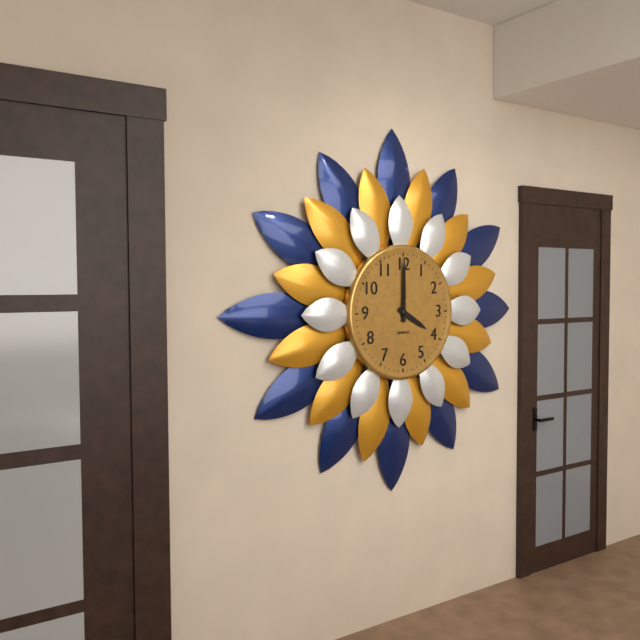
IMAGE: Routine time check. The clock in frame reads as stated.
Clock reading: 4:00
